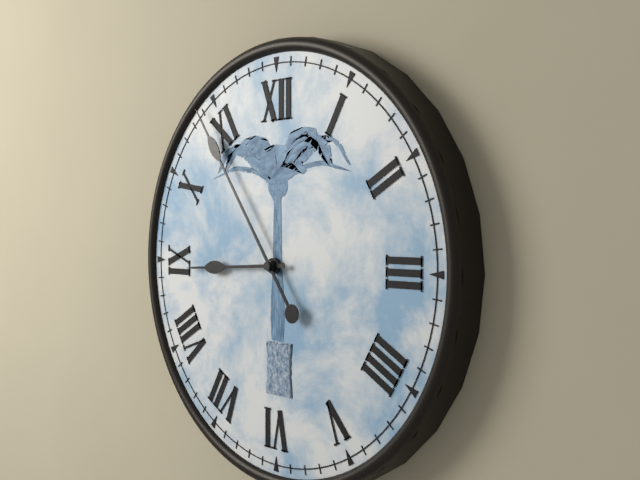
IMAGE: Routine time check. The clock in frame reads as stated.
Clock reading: 8:54
